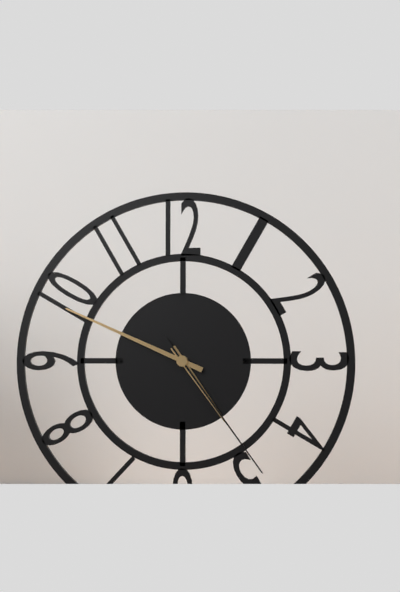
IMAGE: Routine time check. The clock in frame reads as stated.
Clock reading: 4:49:24
